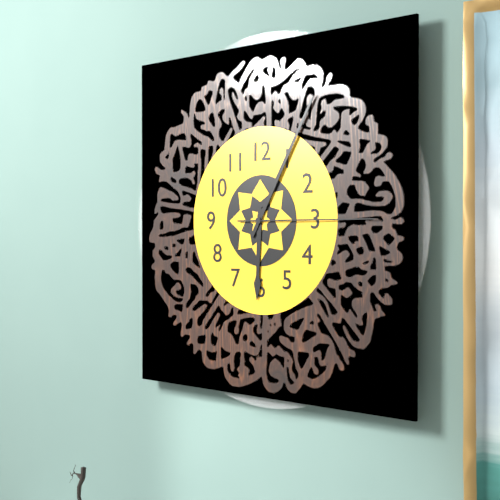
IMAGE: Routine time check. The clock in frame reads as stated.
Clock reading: 6:05:15
